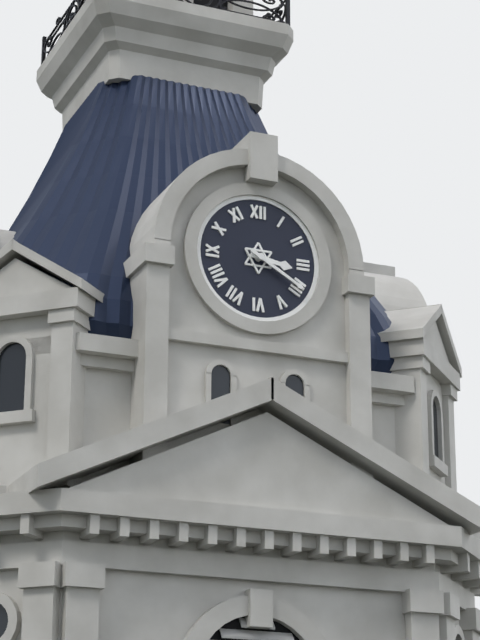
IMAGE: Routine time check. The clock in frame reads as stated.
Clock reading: 3:20
